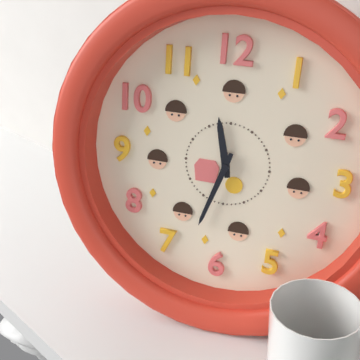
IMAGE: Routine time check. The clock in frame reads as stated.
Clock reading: 11:33
